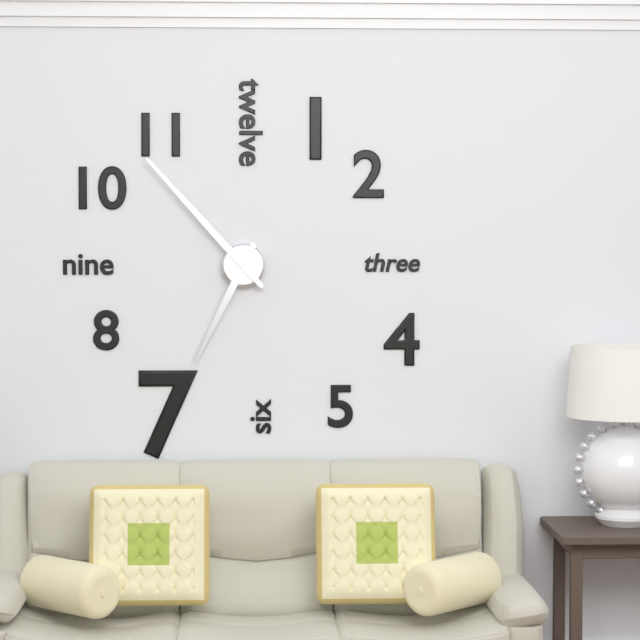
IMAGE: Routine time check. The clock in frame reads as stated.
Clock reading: 6:53
